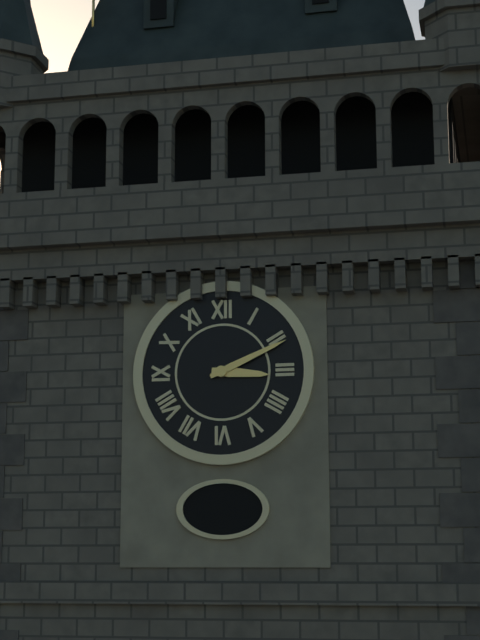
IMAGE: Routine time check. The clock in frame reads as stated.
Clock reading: 3:11
